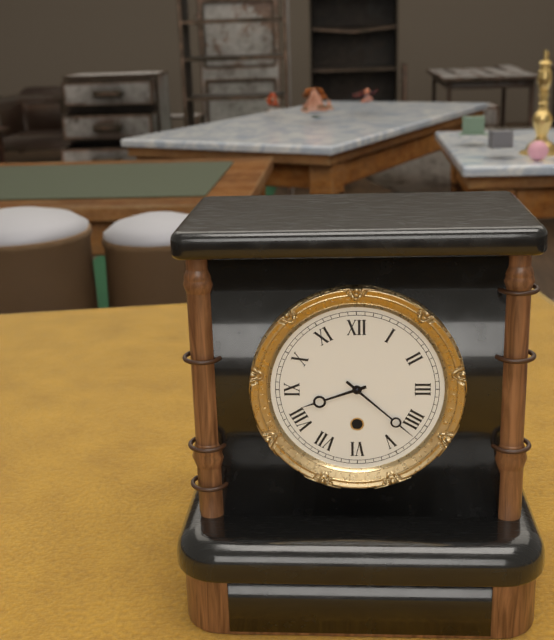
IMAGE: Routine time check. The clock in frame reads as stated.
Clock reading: 8:22
